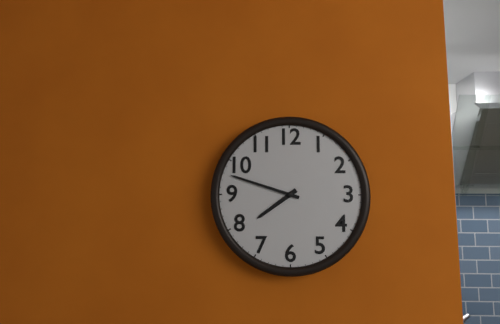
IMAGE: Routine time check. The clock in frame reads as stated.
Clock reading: 7:48
